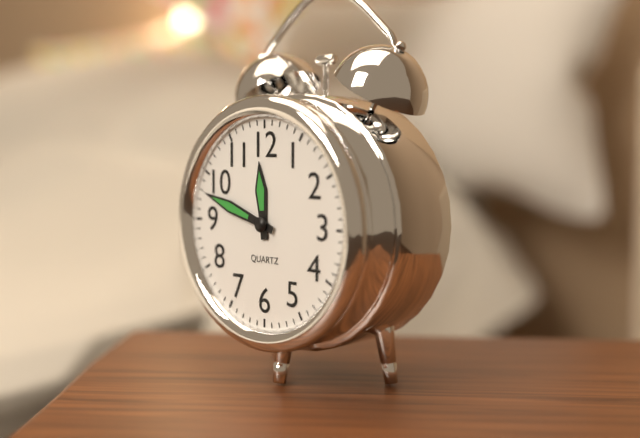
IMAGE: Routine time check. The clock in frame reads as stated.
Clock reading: 11:48
